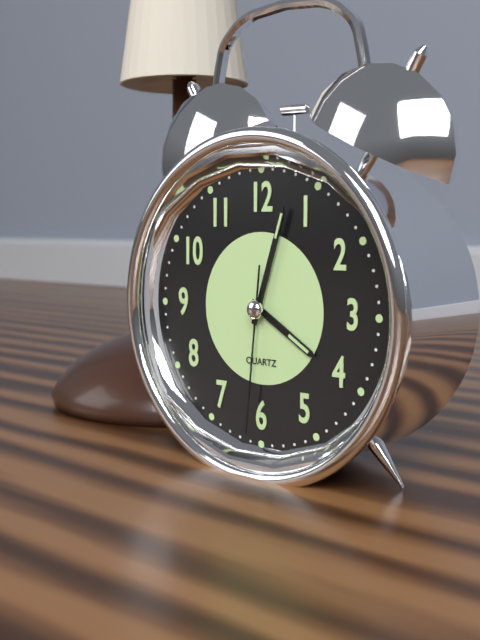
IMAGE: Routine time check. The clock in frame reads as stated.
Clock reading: 4:03:31
